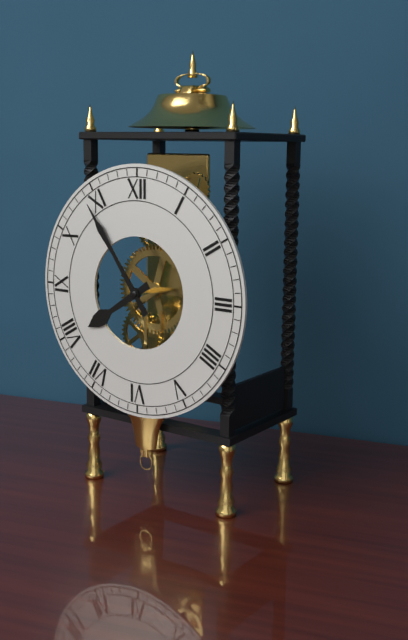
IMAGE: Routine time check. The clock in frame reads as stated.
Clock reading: 7:54
